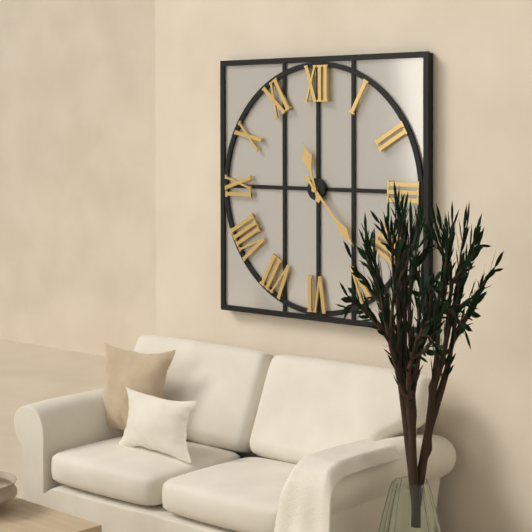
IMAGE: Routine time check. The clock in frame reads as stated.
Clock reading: 11:23
